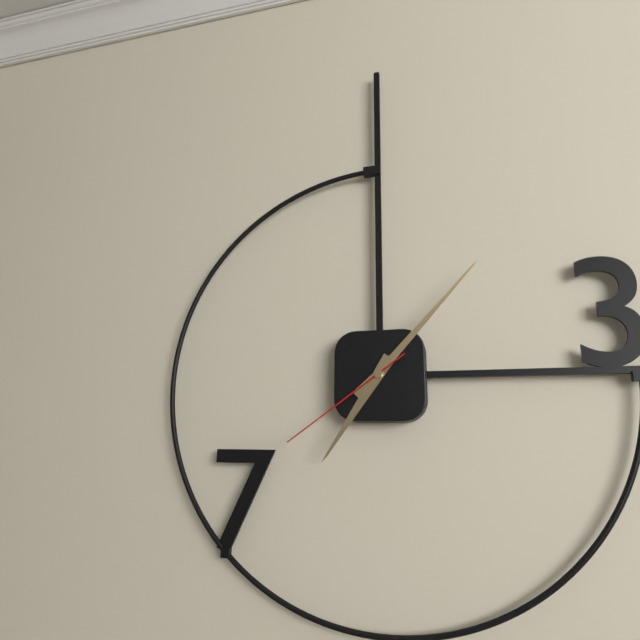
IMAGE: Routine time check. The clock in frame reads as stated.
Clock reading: 7:07:39
